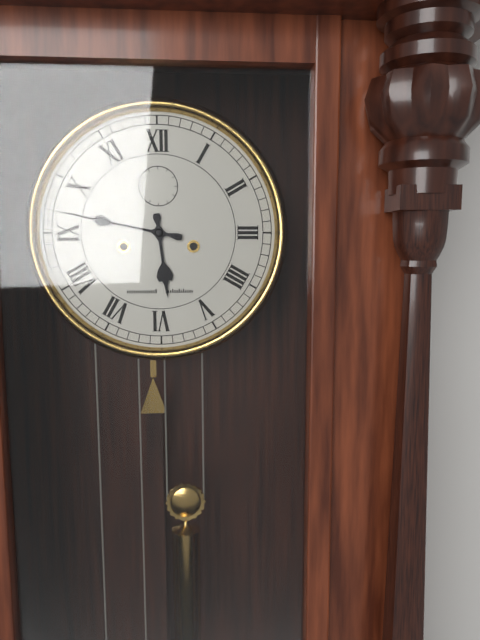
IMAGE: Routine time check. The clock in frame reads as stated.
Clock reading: 5:47
